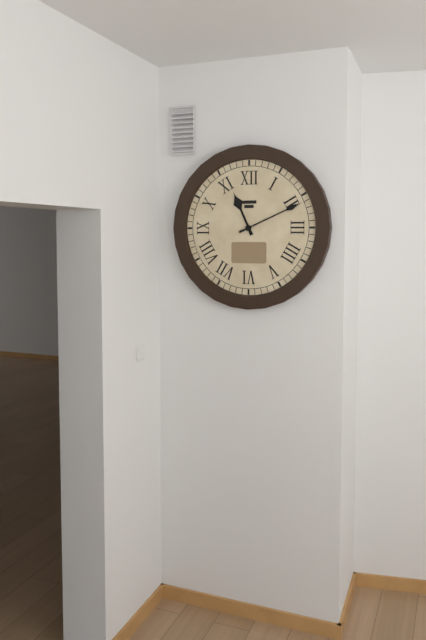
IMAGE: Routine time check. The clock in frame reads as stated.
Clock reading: 11:11
